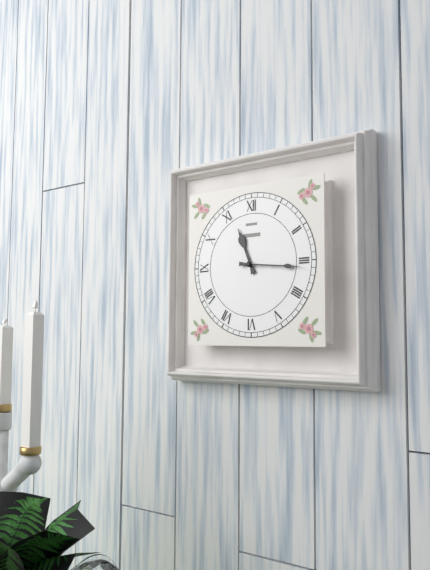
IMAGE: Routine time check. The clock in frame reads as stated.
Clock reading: 11:16
